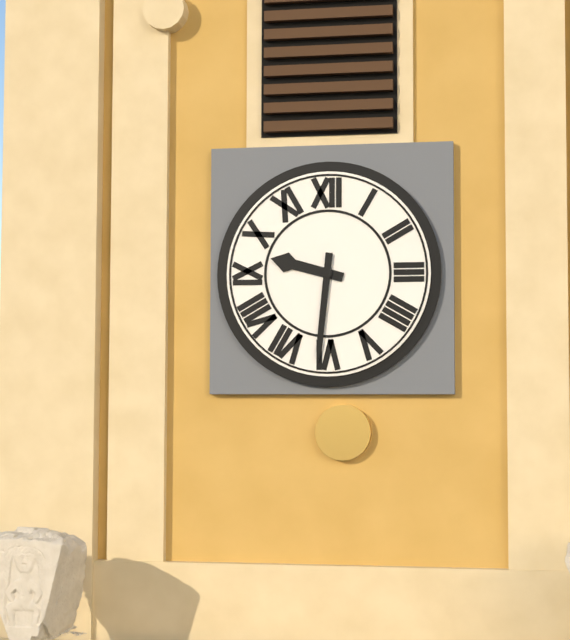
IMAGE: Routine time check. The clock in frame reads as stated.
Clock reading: 9:31
